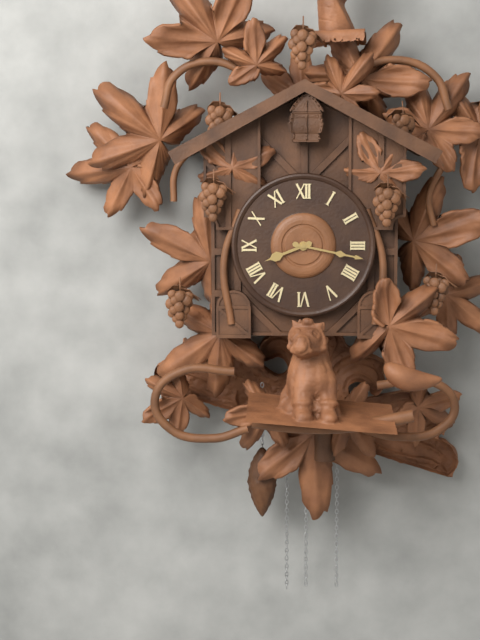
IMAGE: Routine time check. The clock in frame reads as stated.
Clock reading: 8:17
